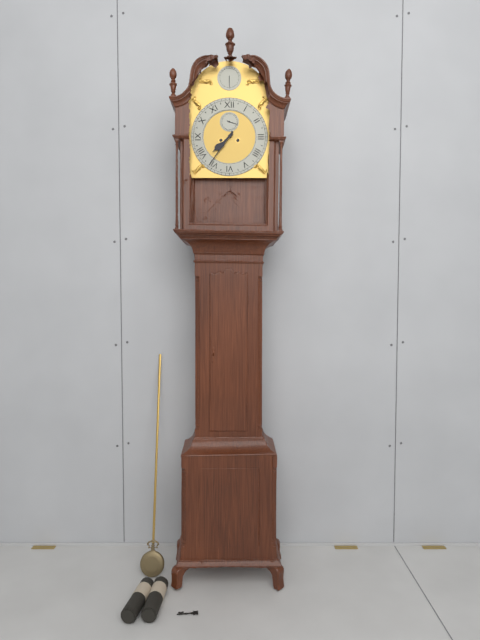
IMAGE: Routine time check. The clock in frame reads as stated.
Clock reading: 7:36
